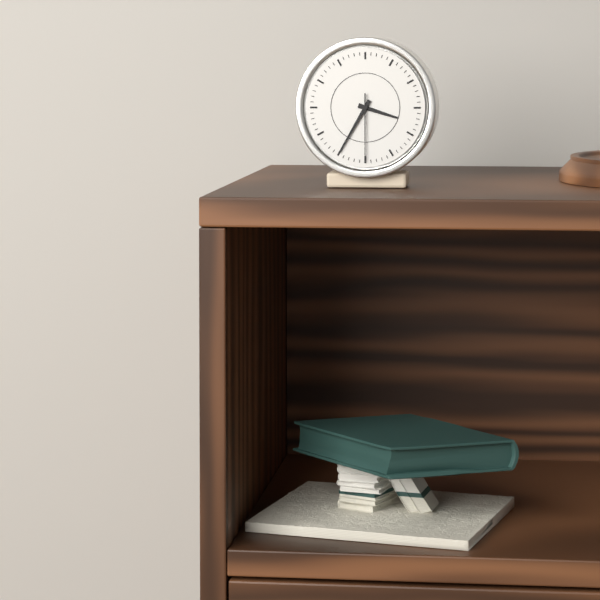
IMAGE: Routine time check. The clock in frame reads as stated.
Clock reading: 3:35:30
